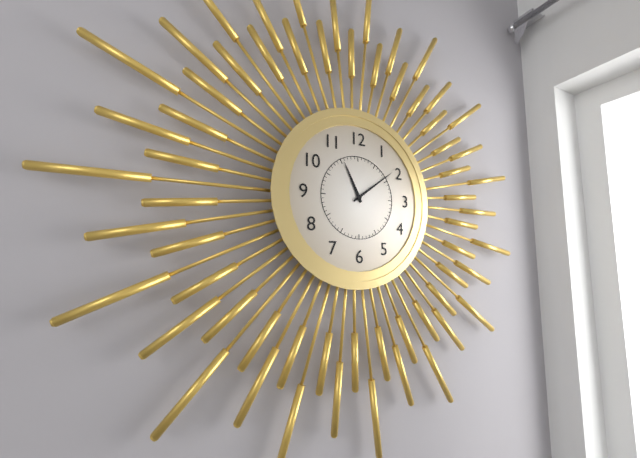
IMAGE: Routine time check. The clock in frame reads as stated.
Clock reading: 11:09
